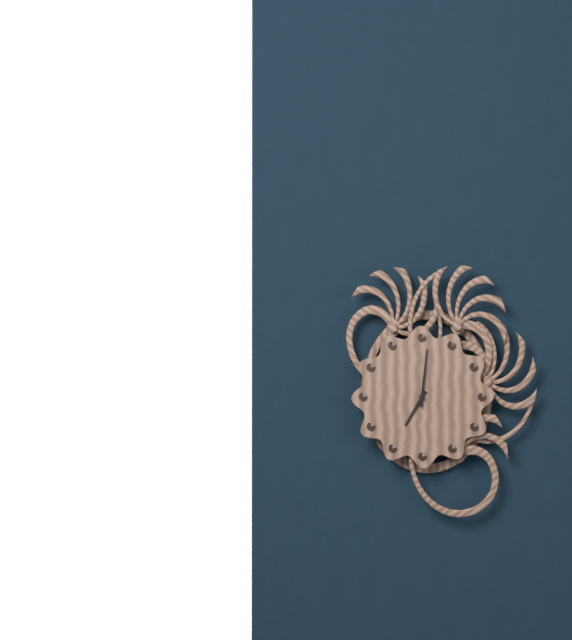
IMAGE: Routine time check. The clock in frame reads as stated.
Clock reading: 7:01
